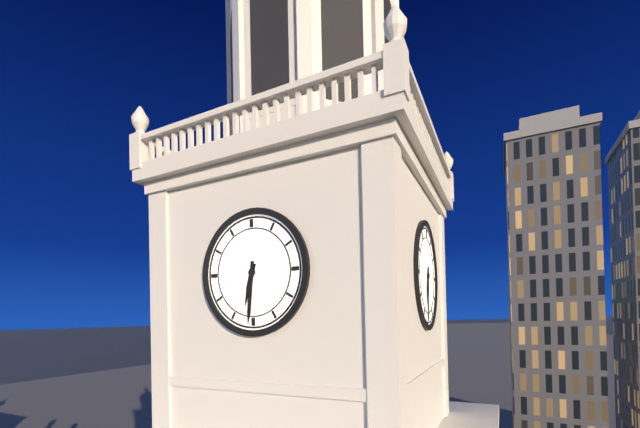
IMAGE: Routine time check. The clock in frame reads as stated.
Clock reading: 6:31
